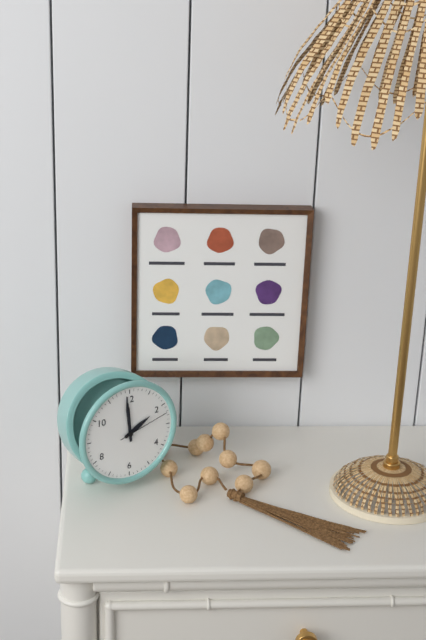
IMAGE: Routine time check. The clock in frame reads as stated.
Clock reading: 1:59:12
